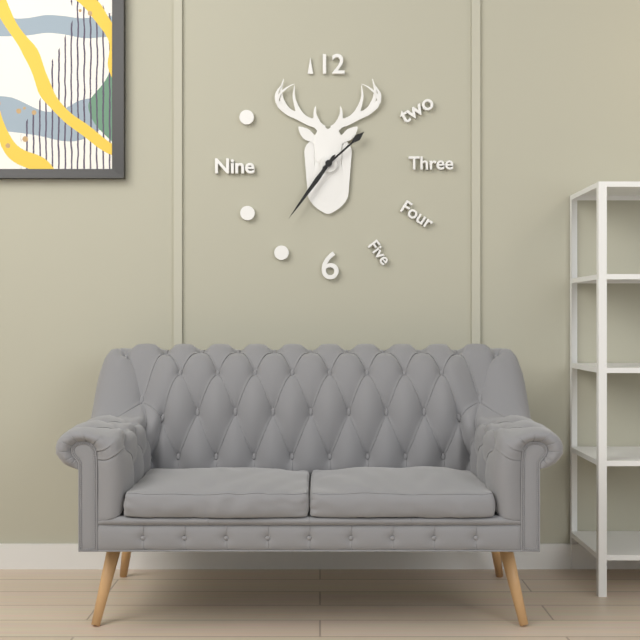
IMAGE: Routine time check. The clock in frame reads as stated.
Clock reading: 1:36
